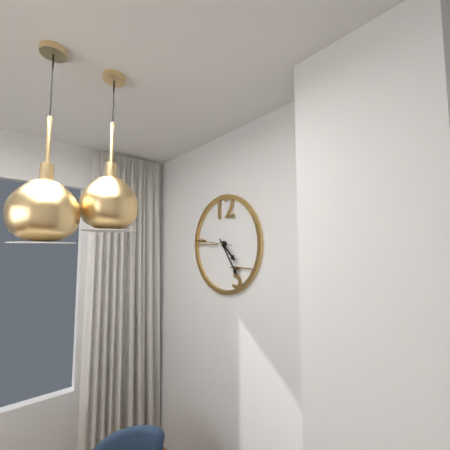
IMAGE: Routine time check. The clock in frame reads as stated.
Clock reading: 4:24
